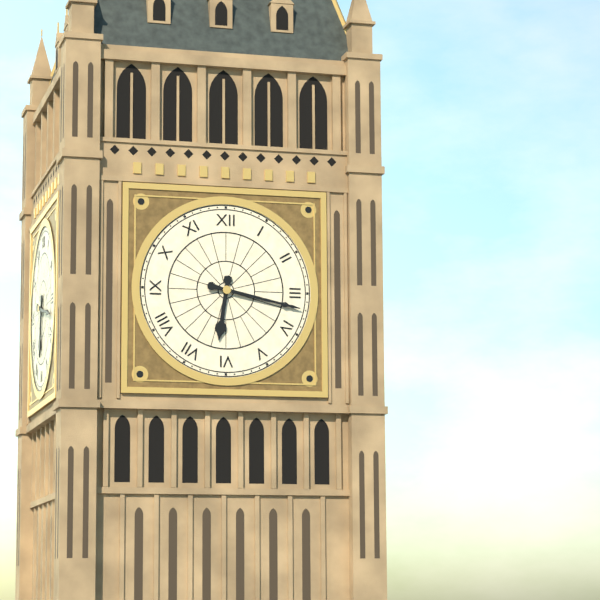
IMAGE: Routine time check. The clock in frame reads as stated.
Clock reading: 6:17
